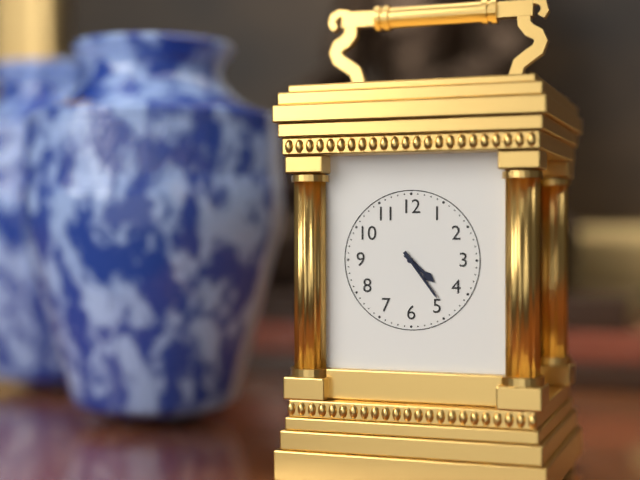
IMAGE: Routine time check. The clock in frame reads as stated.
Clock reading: 4:24
